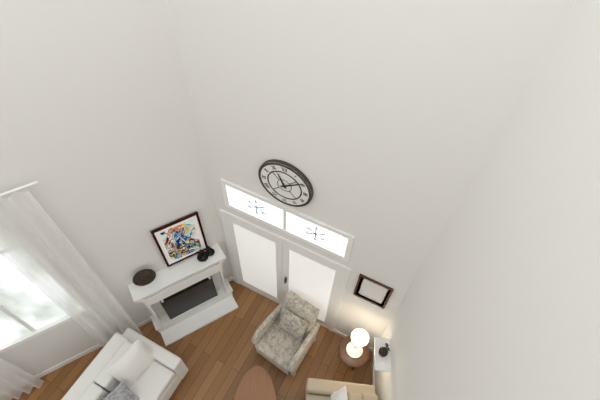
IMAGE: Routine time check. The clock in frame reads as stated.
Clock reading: 11:09
